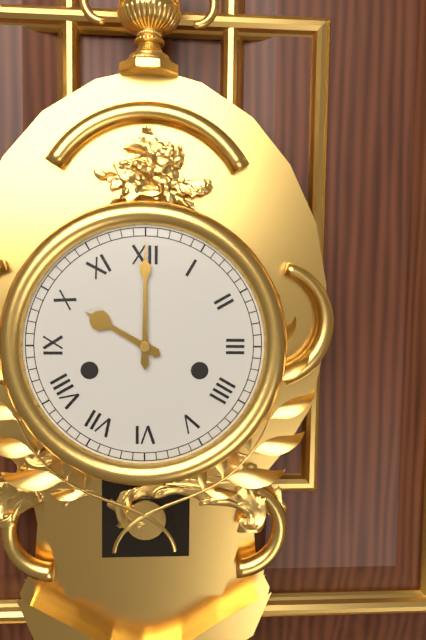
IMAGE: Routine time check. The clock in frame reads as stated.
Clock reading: 10:00
